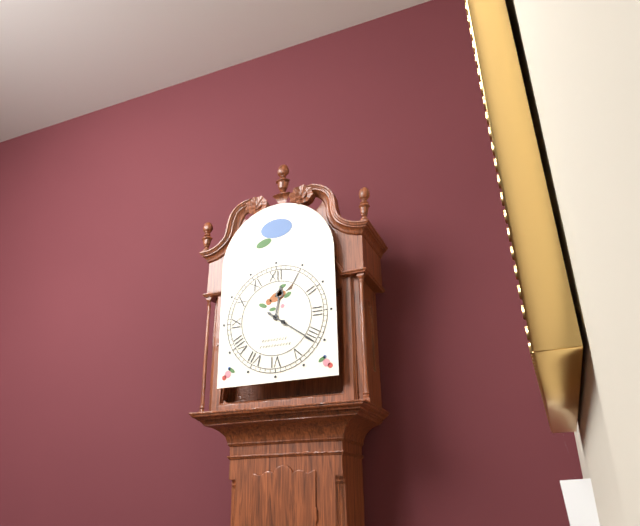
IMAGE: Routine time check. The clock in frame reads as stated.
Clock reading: 12:21
